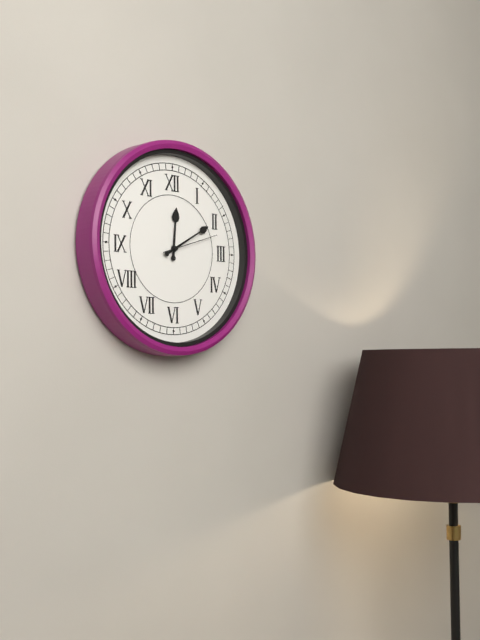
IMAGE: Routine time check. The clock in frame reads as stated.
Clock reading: 12:10:12
